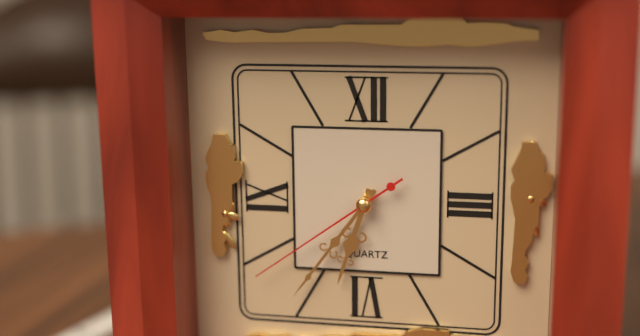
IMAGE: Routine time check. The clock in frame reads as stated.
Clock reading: 6:36:39
